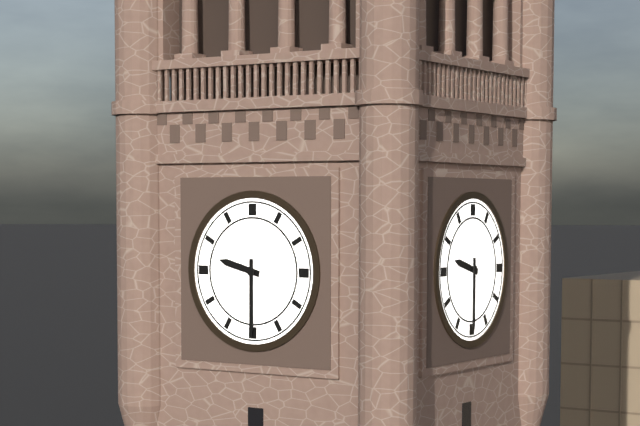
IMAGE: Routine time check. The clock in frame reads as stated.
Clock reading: 9:30
